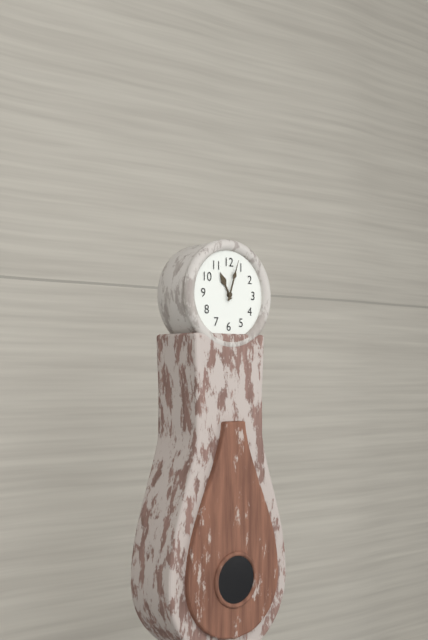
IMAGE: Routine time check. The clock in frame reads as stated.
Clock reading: 11:03
